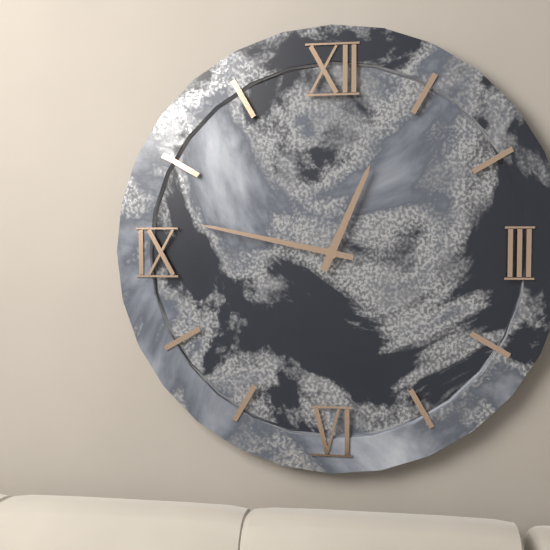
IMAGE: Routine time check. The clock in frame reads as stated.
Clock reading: 12:47
